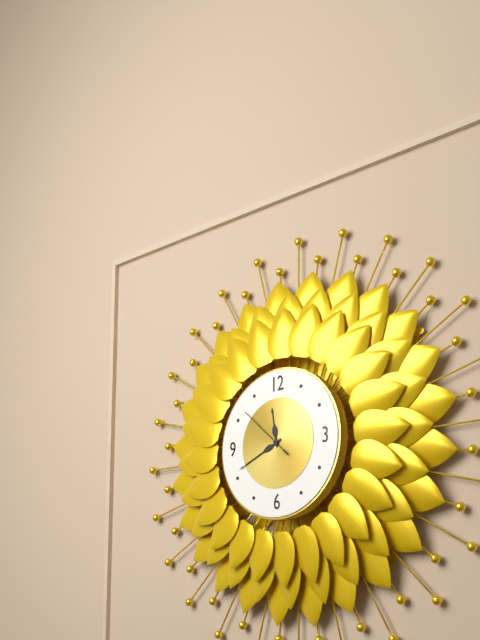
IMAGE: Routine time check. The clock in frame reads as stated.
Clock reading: 11:41:52
